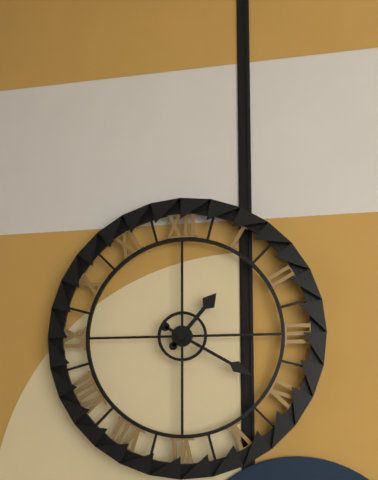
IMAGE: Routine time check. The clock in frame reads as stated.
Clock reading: 1:20
